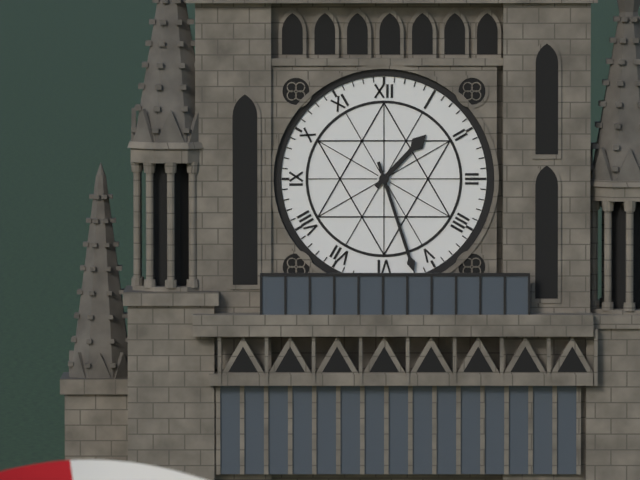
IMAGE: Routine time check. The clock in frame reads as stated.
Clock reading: 1:27
